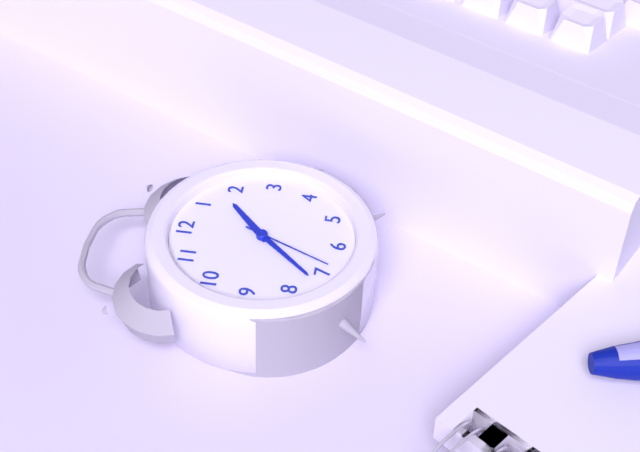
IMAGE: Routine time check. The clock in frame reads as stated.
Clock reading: 1:37:34
